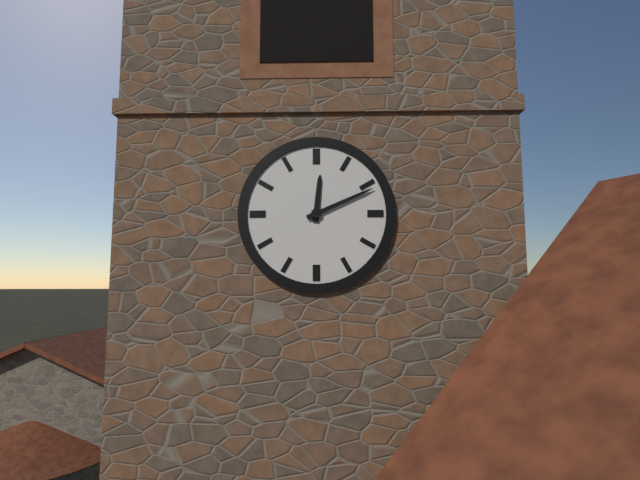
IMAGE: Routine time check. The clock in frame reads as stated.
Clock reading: 12:11
